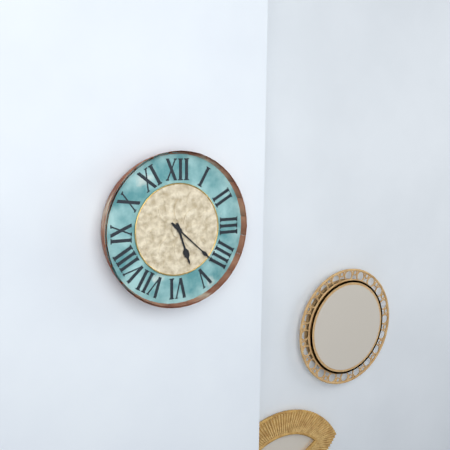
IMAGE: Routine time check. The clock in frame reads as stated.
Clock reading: 5:22
